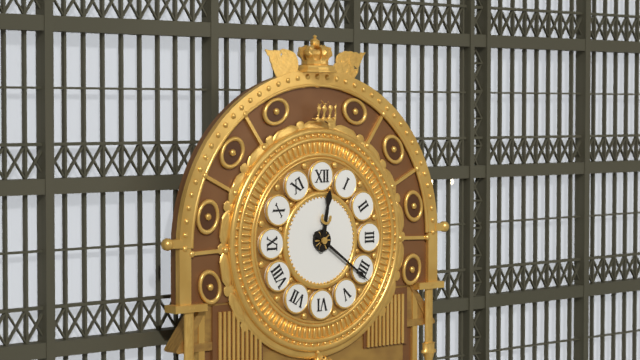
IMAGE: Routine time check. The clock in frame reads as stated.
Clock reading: 12:21
